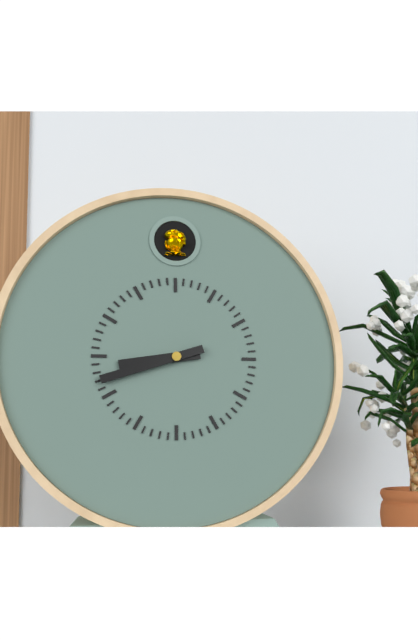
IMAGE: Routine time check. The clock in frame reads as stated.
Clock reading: 8:42
